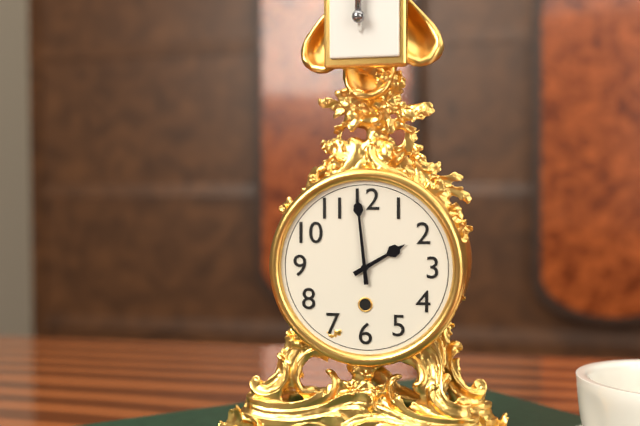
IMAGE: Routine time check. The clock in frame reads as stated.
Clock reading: 1:59
